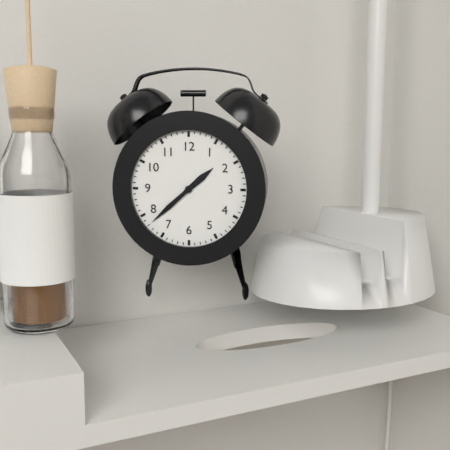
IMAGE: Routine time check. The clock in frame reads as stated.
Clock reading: 1:38
